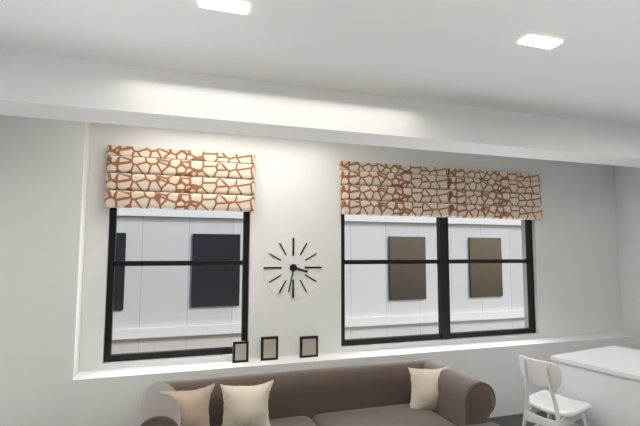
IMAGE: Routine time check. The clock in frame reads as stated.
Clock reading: 3:32
